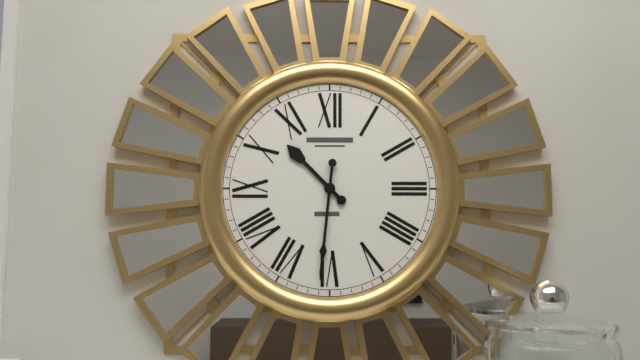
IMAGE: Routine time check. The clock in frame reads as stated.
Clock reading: 10:31
